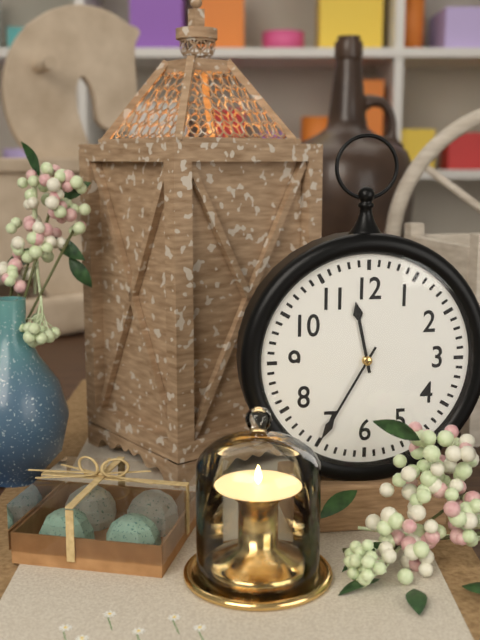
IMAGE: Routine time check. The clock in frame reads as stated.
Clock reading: 11:35
